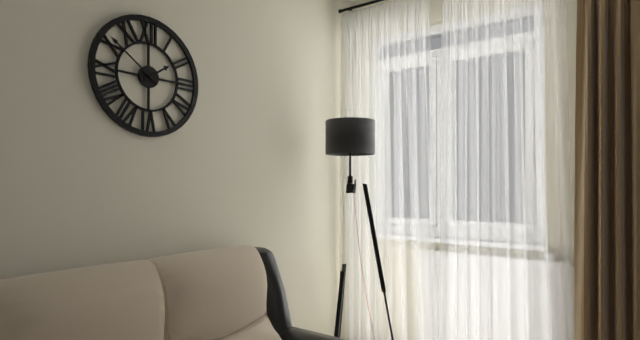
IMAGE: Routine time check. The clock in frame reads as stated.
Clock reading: 1:51
